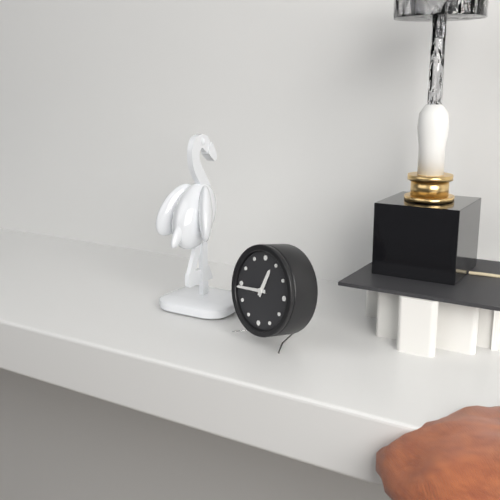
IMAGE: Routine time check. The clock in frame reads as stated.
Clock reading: 12:44
